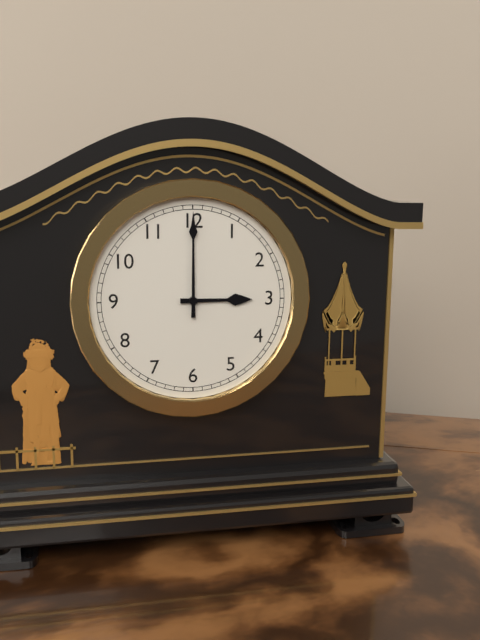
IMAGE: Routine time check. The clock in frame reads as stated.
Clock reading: 3:00
